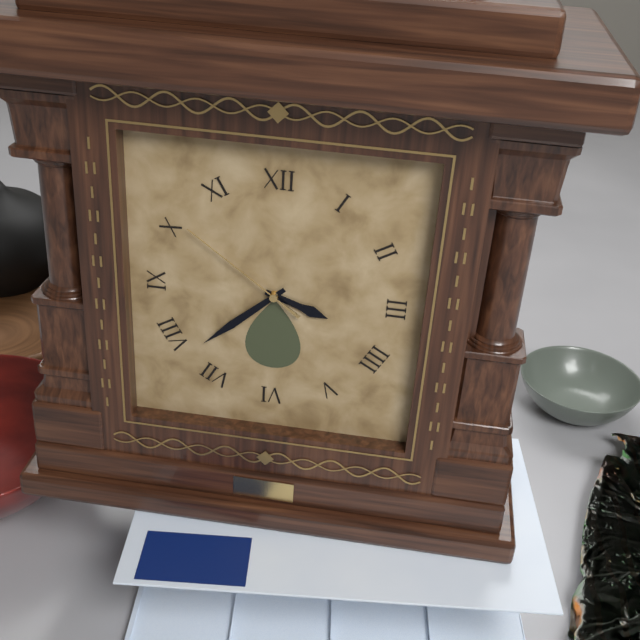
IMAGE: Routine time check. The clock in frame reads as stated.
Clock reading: 3:38:51
